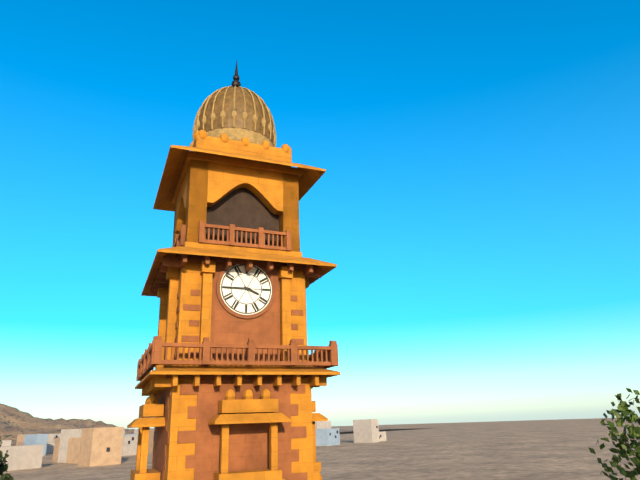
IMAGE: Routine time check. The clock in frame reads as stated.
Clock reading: 3:45
